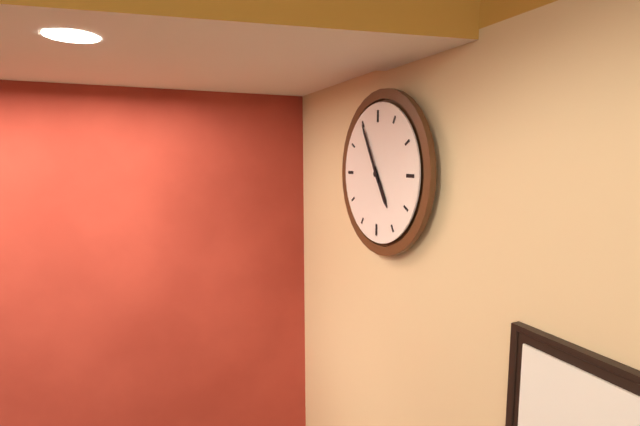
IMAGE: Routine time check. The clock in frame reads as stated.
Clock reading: 4:55
